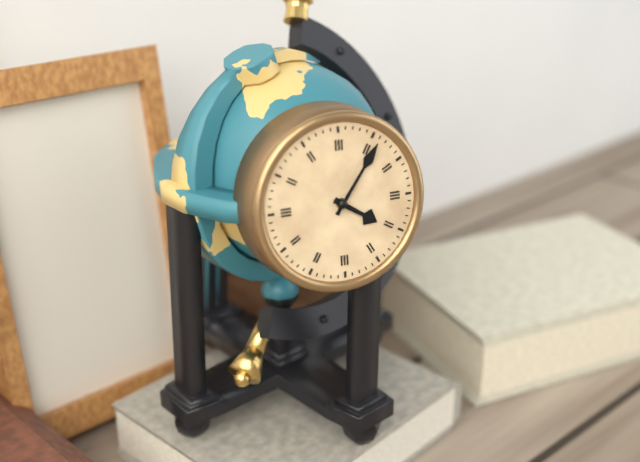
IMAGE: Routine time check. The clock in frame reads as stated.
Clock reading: 4:06
